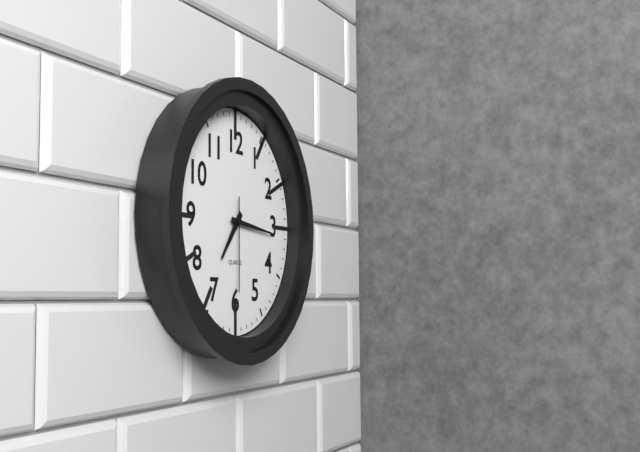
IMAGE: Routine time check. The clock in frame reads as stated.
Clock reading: 7:16:30
